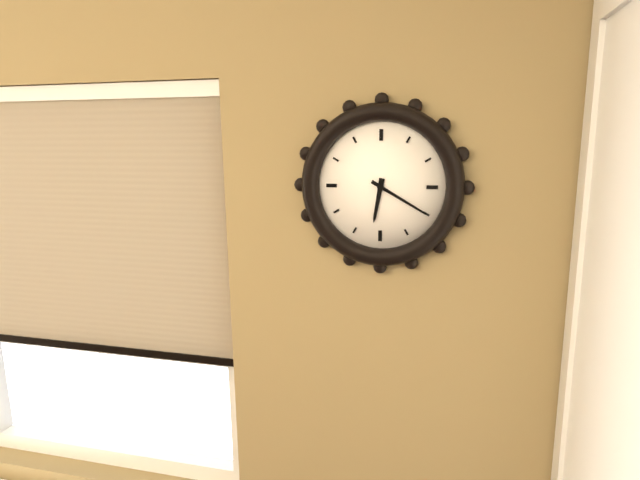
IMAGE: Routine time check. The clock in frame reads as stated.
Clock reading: 6:20
